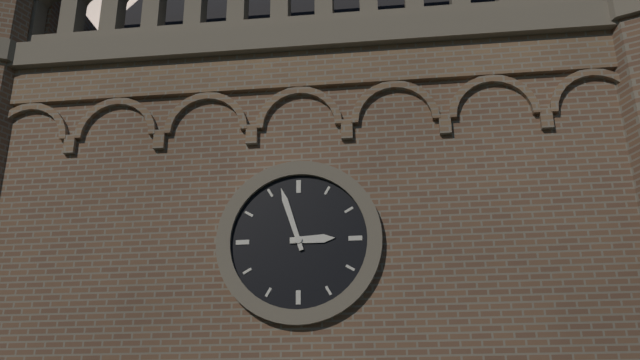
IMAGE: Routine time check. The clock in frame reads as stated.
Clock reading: 2:57
